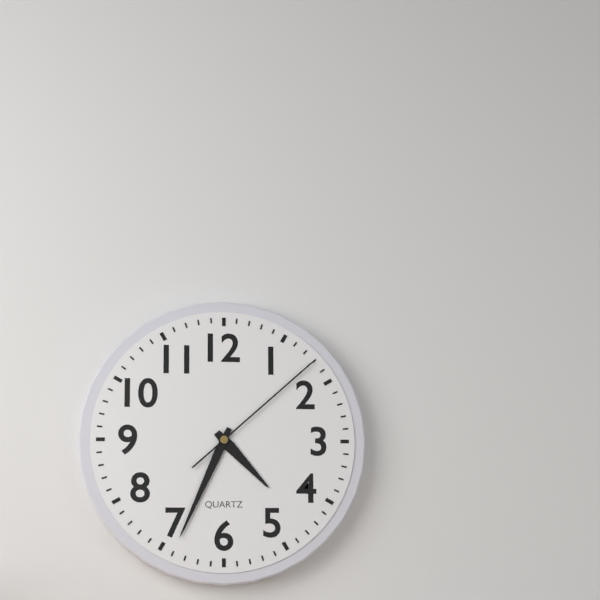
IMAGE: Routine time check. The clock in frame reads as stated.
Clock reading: 4:34:08
